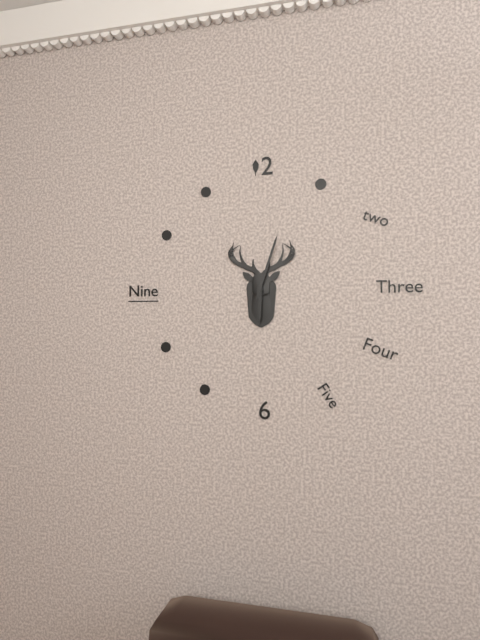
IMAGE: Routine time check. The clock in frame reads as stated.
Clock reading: 6:03
